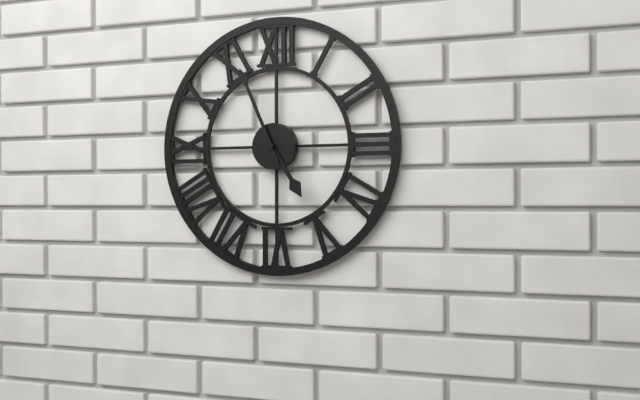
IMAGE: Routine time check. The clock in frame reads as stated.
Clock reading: 4:56
